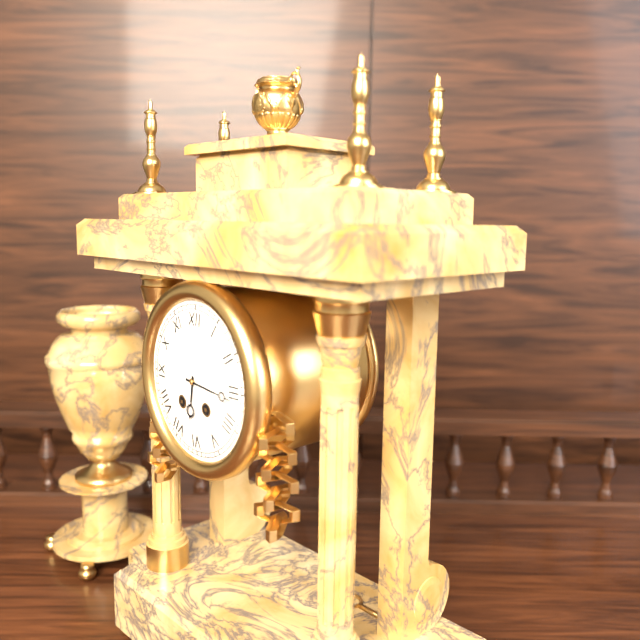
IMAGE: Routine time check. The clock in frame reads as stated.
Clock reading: 6:16
